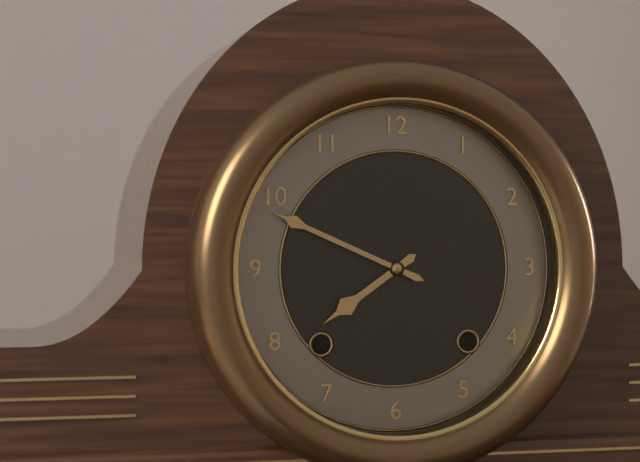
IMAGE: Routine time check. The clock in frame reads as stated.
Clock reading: 7:49
